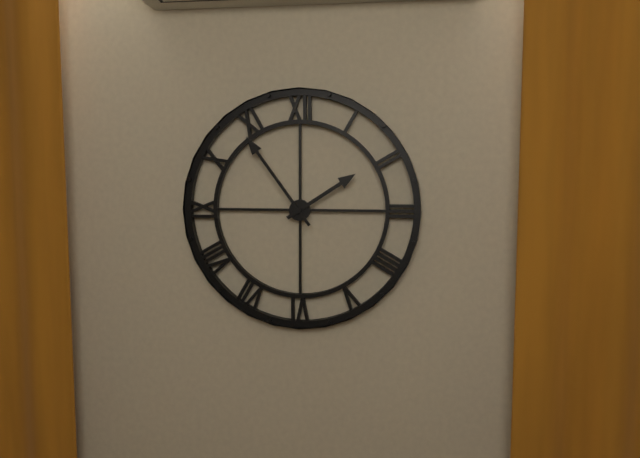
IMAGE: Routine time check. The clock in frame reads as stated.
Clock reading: 1:54
